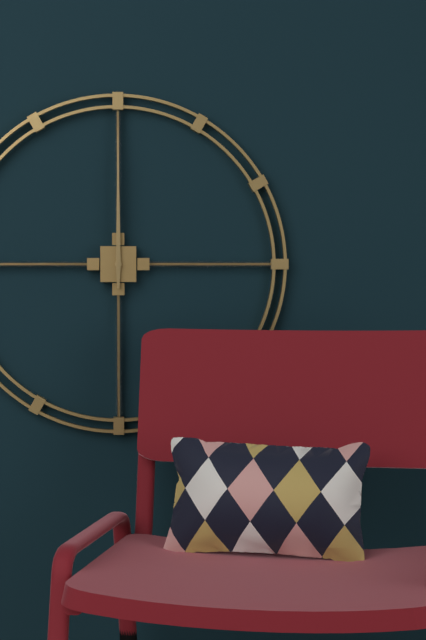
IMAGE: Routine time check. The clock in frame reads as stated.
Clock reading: 12:00
